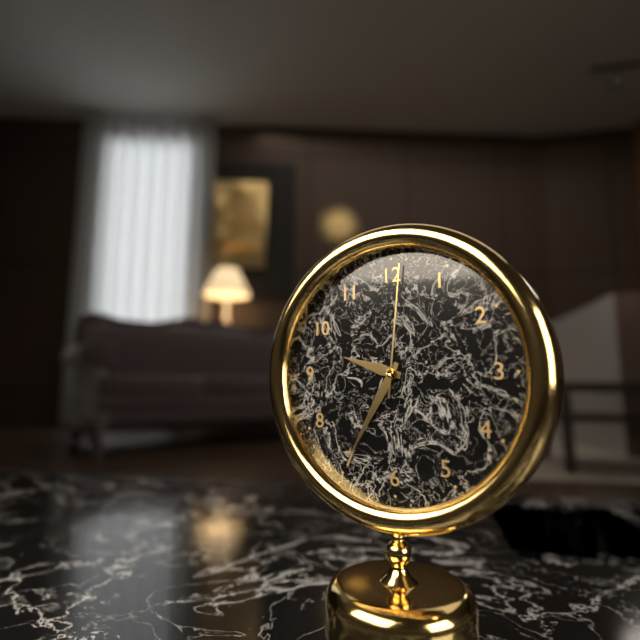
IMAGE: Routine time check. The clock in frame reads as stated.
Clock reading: 9:35:01
